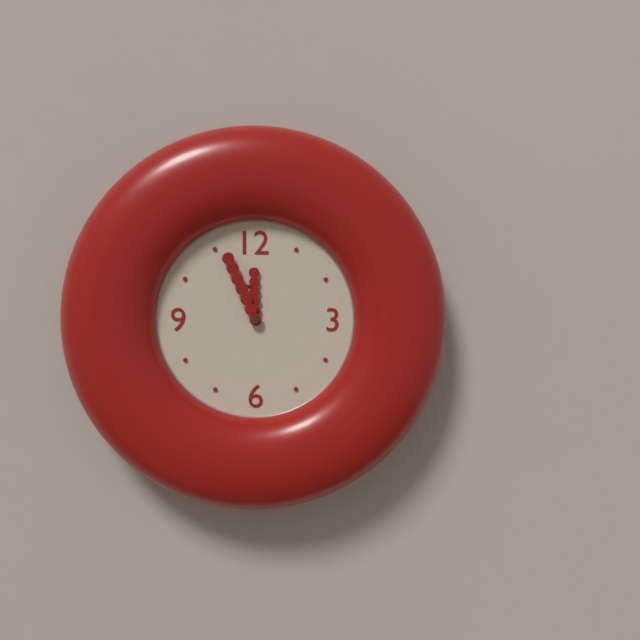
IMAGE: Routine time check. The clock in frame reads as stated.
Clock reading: 11:56
